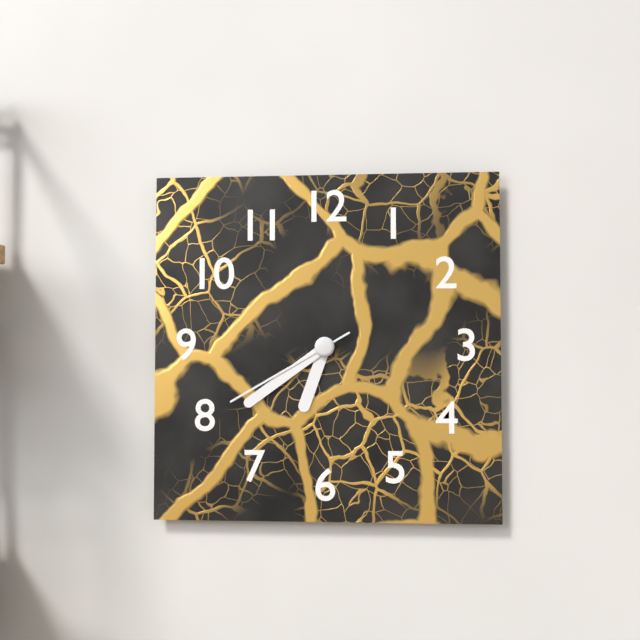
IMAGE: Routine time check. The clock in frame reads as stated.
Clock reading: 6:39:40
